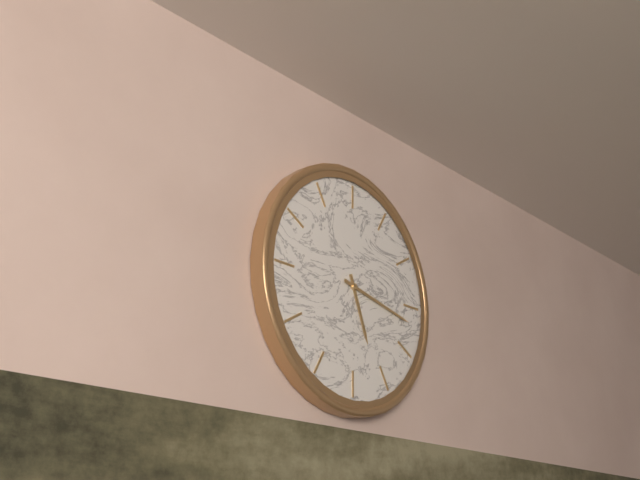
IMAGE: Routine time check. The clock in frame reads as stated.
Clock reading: 5:17
